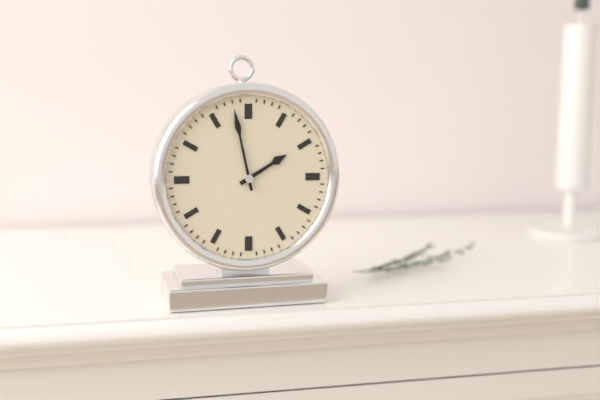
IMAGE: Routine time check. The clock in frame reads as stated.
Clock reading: 1:58
